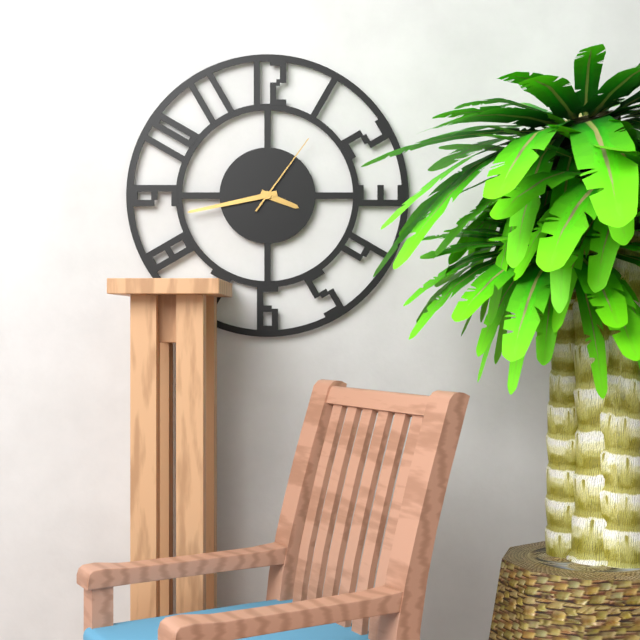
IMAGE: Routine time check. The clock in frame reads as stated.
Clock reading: 3:43:06
